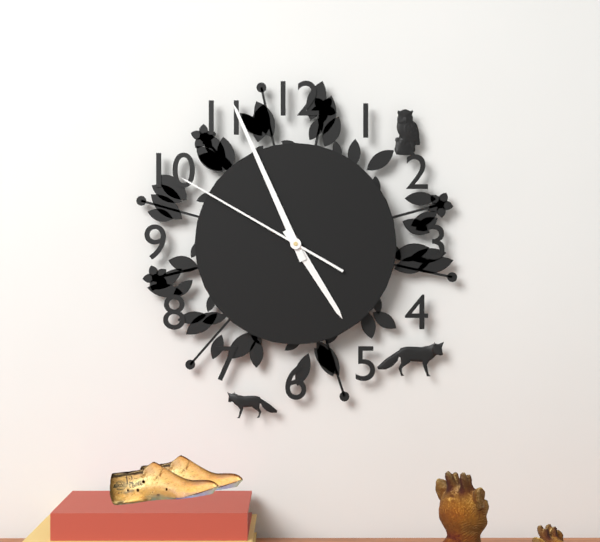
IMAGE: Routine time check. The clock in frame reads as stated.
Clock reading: 4:56:50
